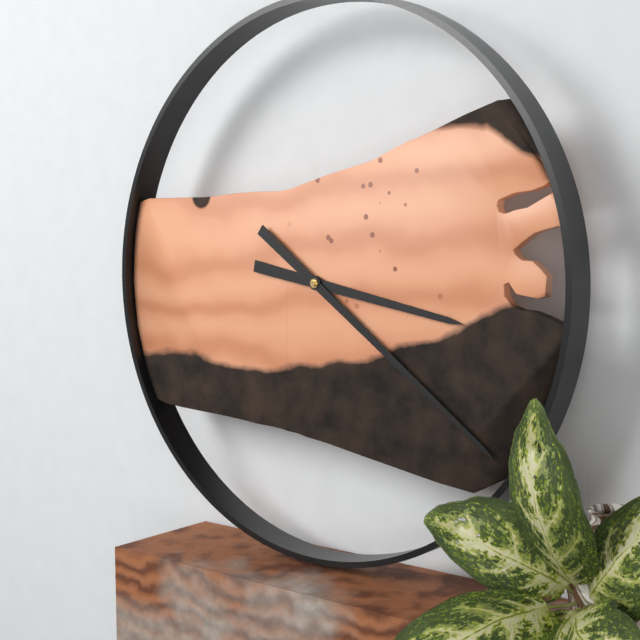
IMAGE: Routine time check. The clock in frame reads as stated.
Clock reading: 3:21
